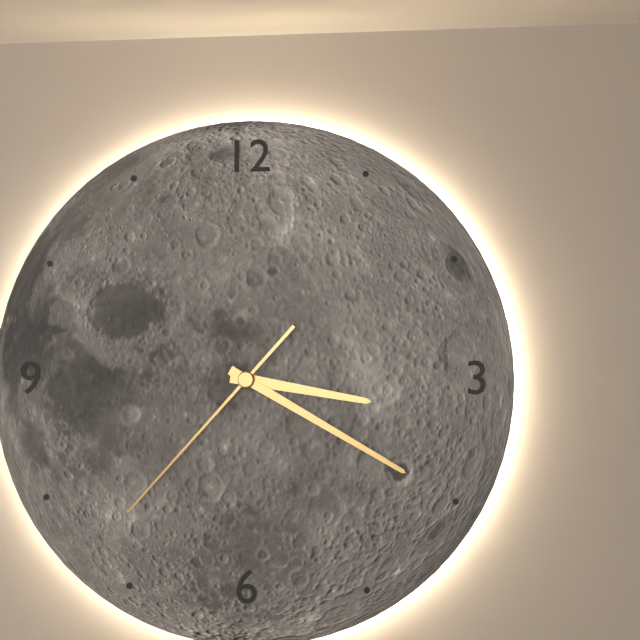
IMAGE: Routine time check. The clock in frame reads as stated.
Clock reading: 3:20:37
